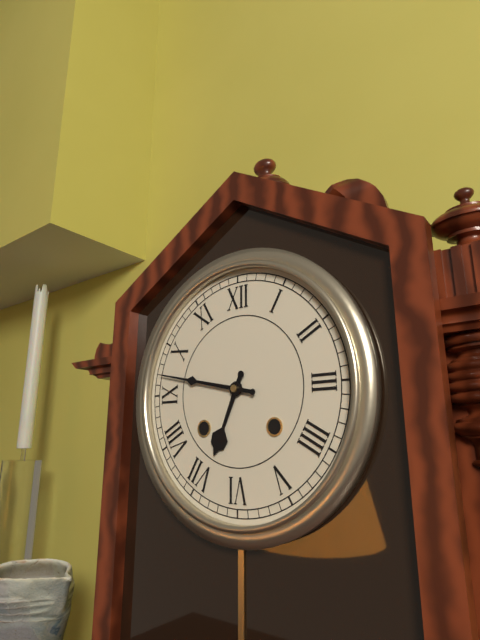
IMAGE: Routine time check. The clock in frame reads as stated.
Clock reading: 6:47
